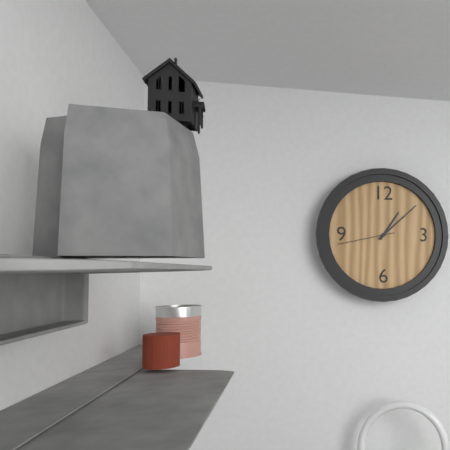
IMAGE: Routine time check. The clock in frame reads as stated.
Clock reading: 1:08:43
